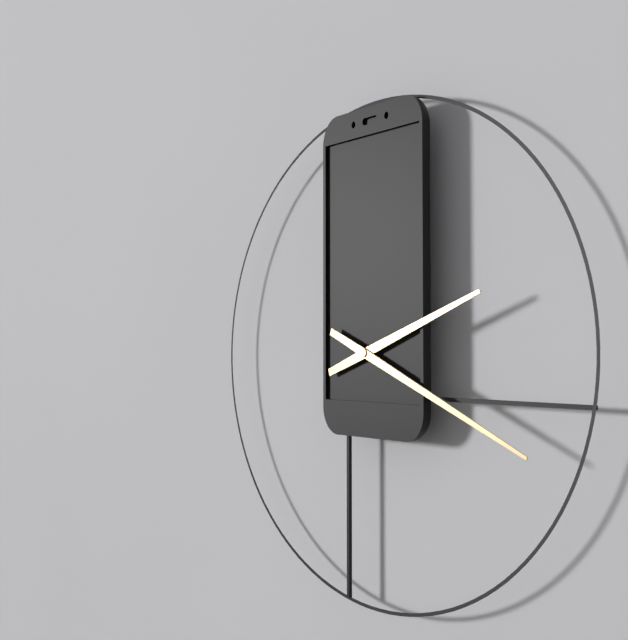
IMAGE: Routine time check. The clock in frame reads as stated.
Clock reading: 2:19
